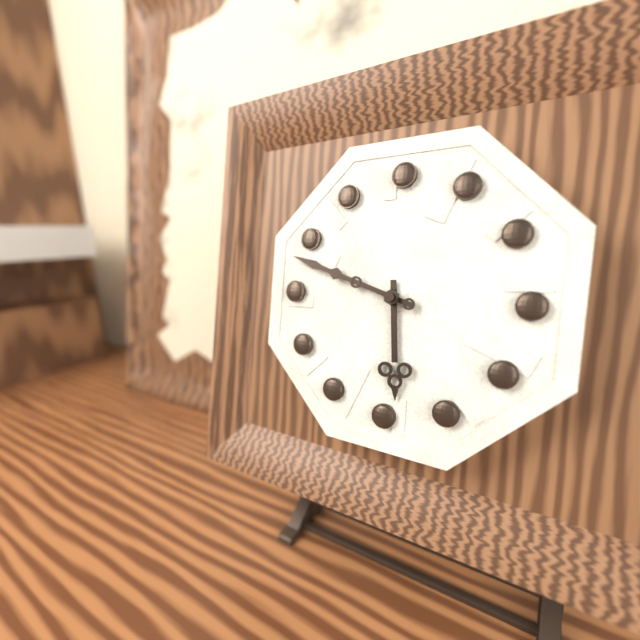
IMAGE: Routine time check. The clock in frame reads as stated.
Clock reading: 5:48
